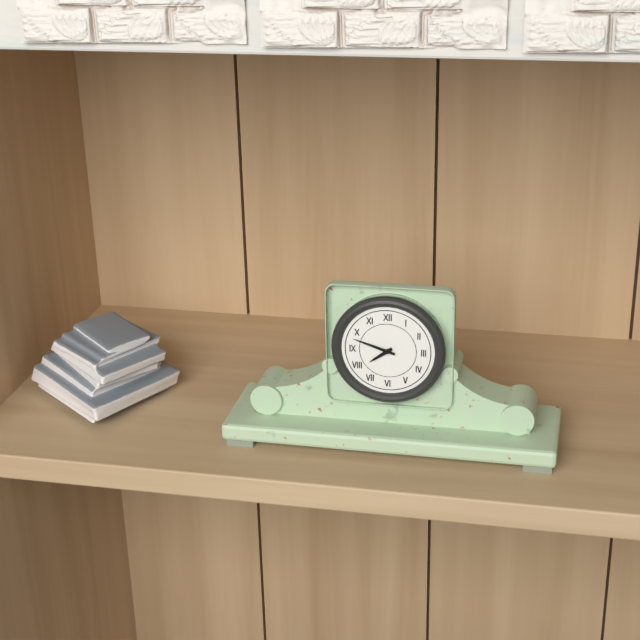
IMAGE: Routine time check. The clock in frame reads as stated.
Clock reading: 7:48
